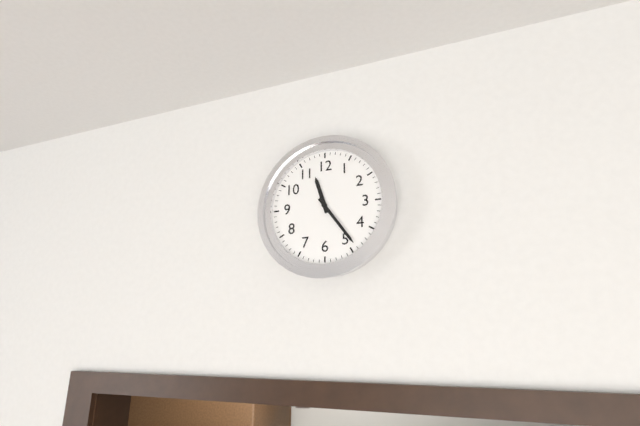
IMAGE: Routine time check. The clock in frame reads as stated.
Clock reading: 11:24
